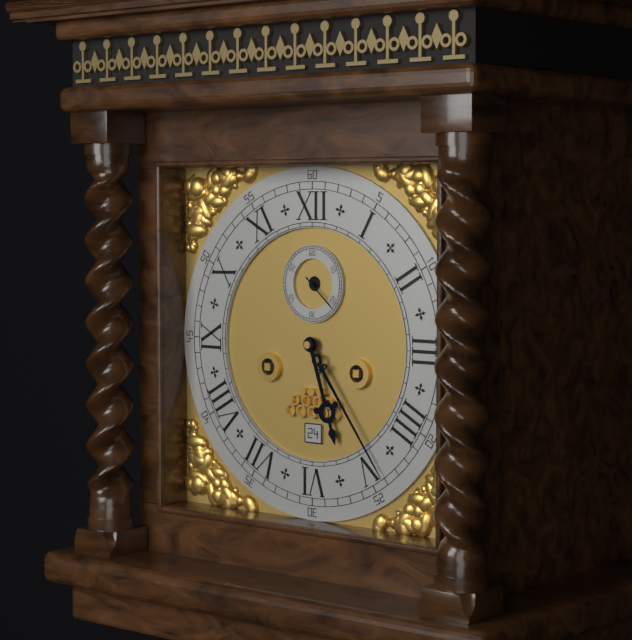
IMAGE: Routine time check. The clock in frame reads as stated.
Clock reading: 5:24
